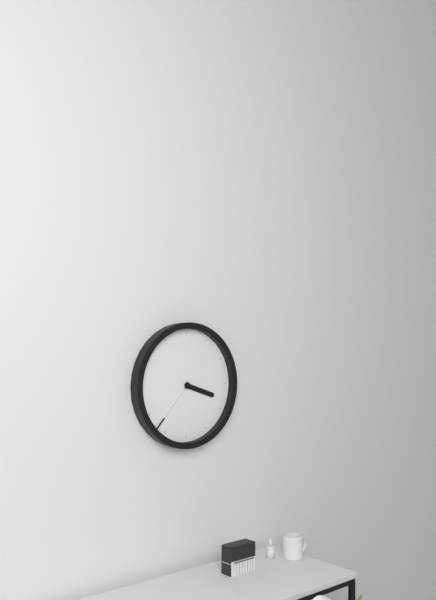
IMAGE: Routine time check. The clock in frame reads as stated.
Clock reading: 3:37
